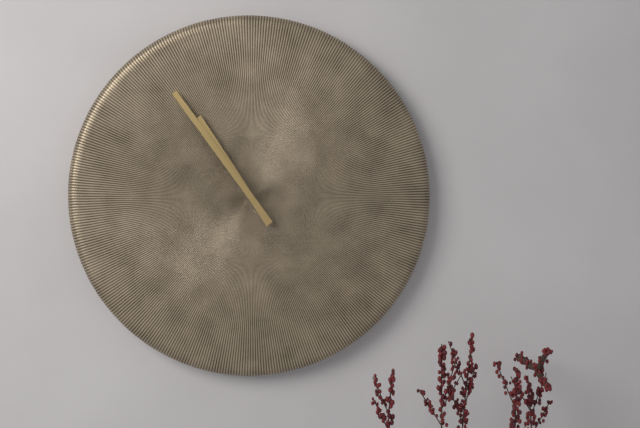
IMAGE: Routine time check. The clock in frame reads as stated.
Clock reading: 10:54
